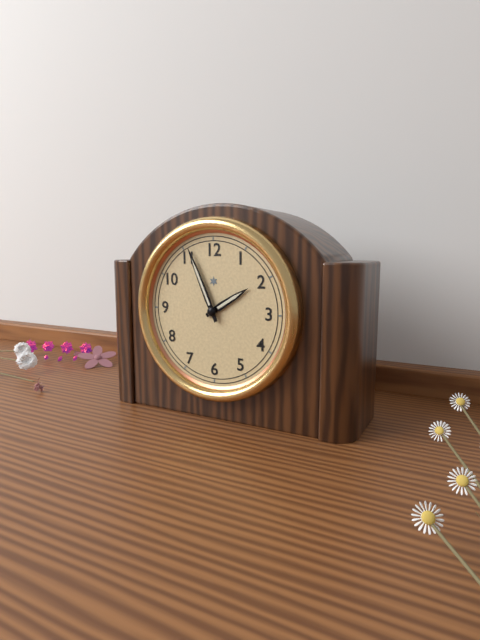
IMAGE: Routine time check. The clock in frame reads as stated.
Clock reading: 1:56
